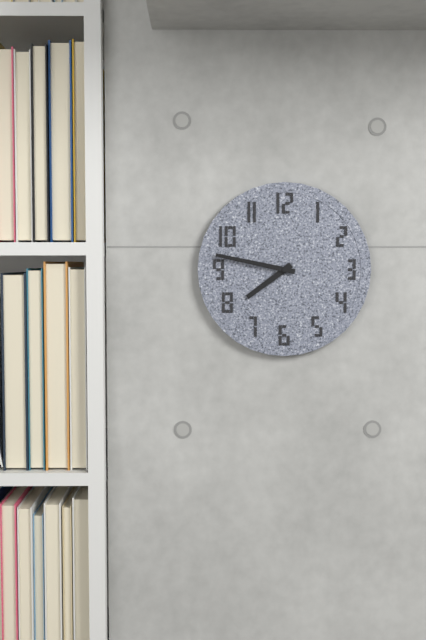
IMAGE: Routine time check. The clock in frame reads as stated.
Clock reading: 7:47
